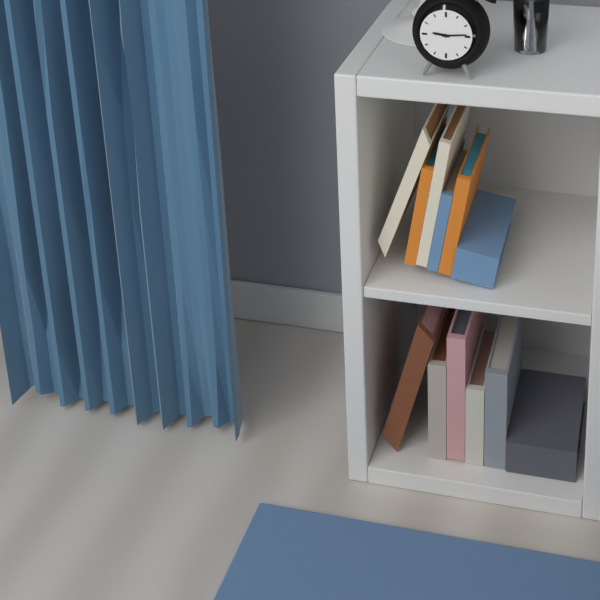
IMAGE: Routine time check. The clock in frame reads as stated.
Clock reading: 9:14
